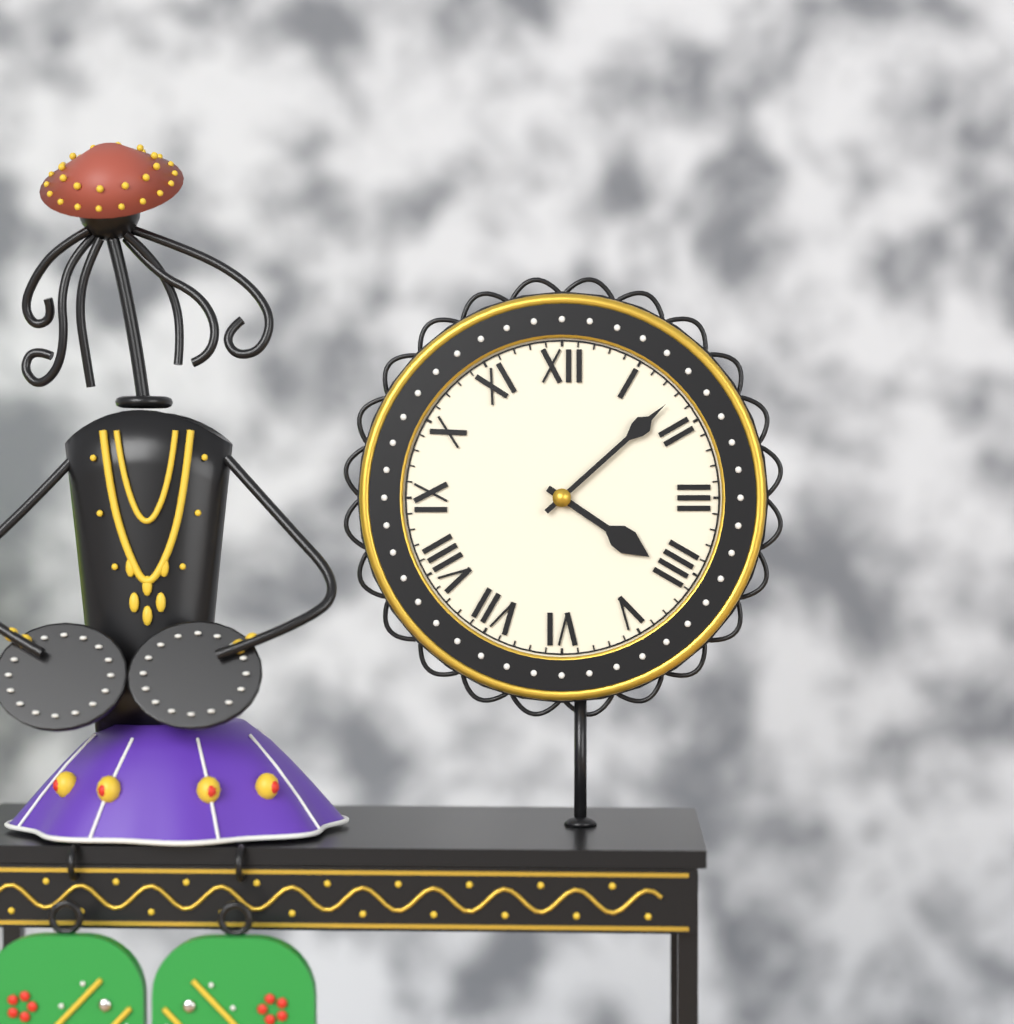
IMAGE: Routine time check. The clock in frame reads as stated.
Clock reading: 4:08
